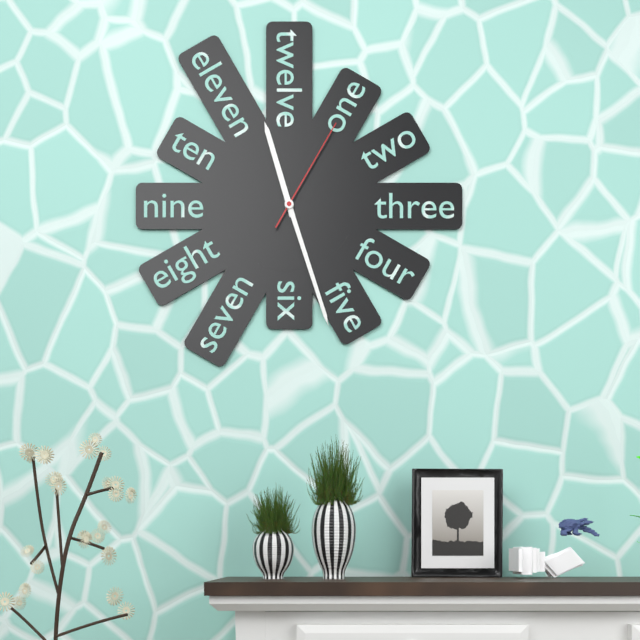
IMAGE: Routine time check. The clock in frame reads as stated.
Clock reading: 11:27:05
